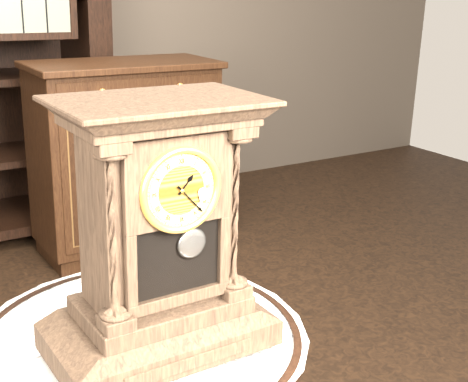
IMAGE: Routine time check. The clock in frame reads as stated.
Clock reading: 1:23
